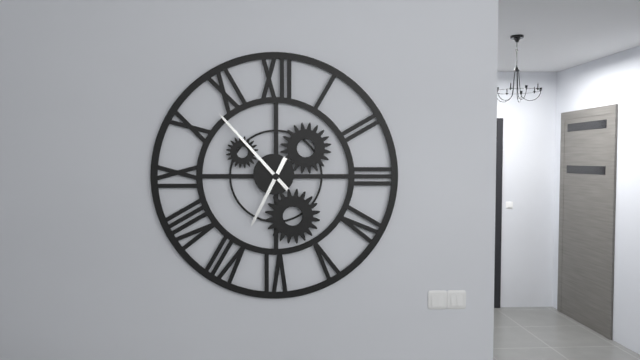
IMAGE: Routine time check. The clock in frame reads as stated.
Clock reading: 6:53
